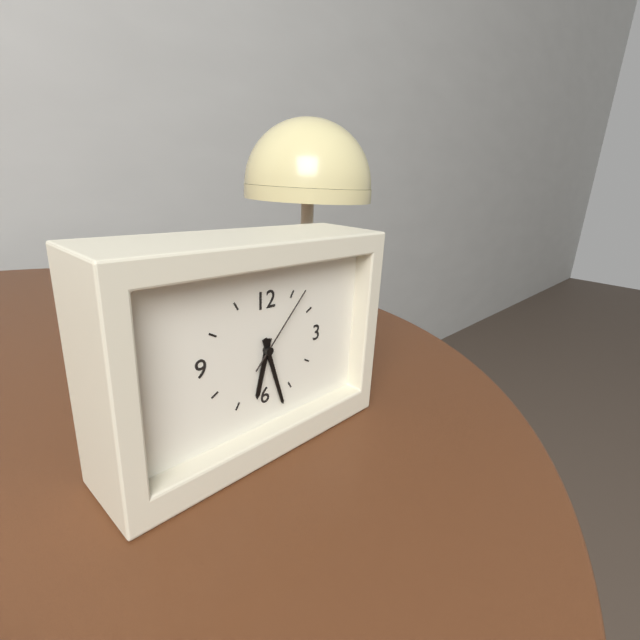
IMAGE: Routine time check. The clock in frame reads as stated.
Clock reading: 6:27:07
